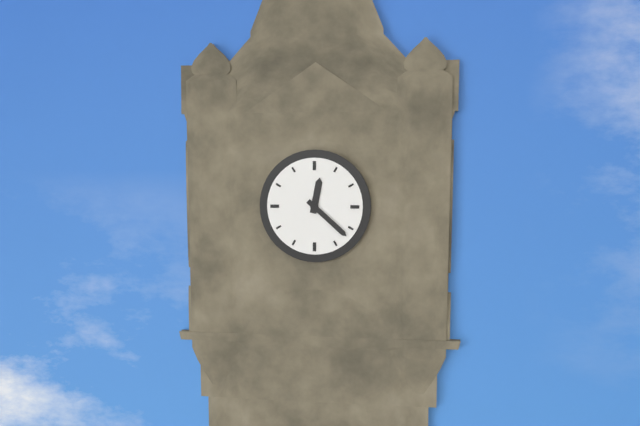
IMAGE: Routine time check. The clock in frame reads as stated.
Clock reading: 12:22
